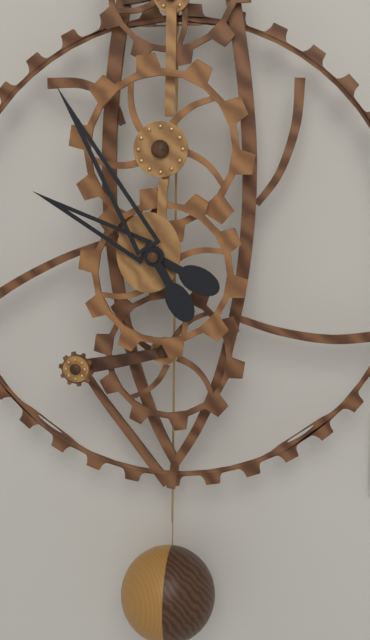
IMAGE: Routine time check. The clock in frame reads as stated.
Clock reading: 9:55
